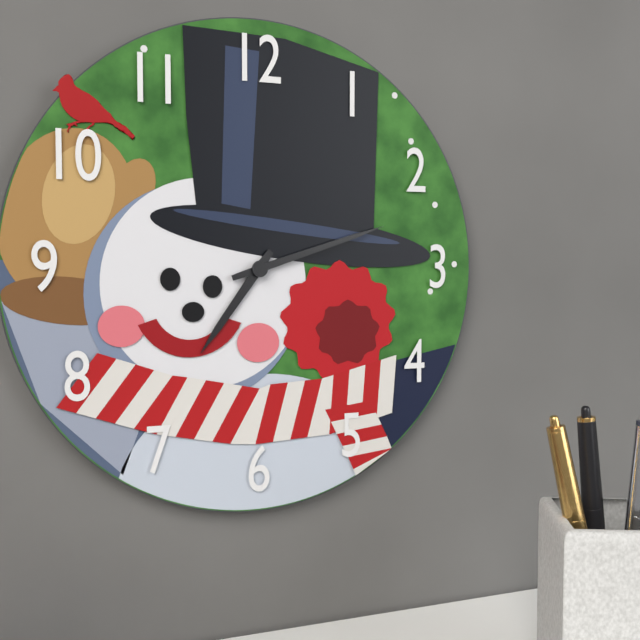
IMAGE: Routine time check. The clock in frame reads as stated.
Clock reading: 7:12
